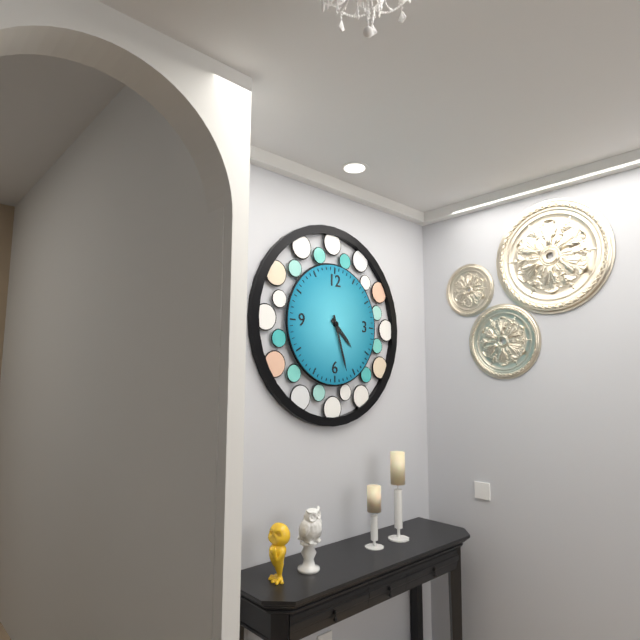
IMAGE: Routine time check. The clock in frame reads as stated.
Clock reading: 4:27
